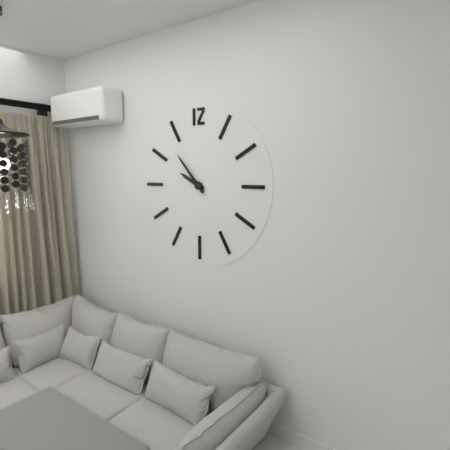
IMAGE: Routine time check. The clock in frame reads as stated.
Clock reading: 9:53
